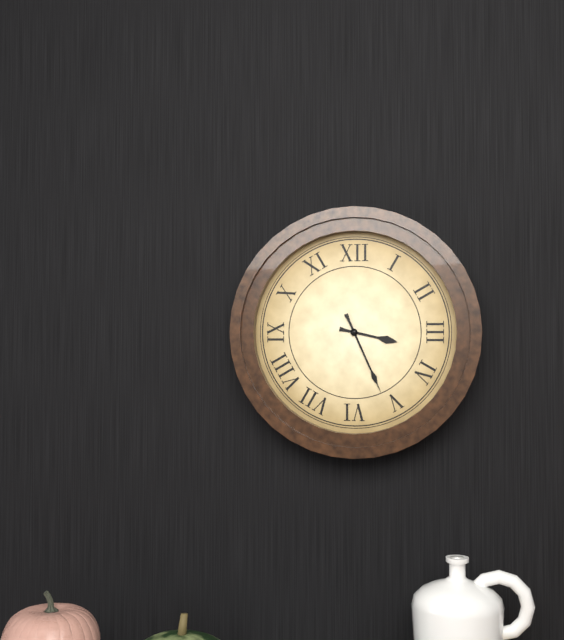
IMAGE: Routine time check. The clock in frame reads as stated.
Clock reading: 3:26
